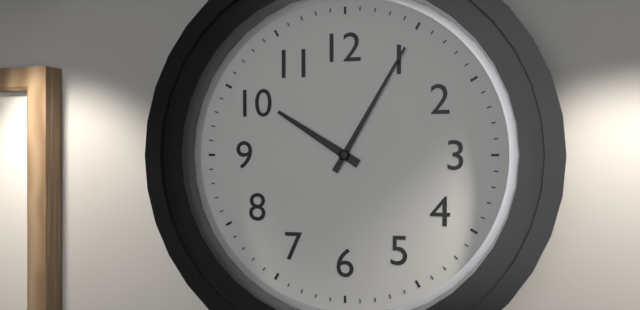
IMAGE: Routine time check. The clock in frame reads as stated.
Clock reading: 10:05
